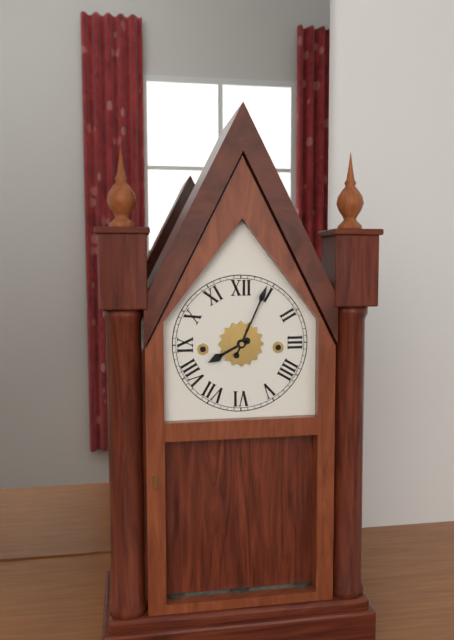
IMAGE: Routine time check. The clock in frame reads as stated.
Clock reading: 8:04
